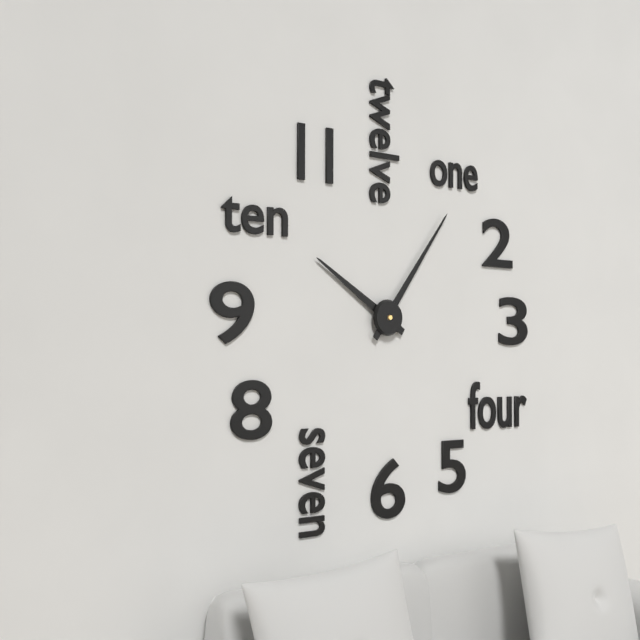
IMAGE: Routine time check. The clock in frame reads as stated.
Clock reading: 10:06
